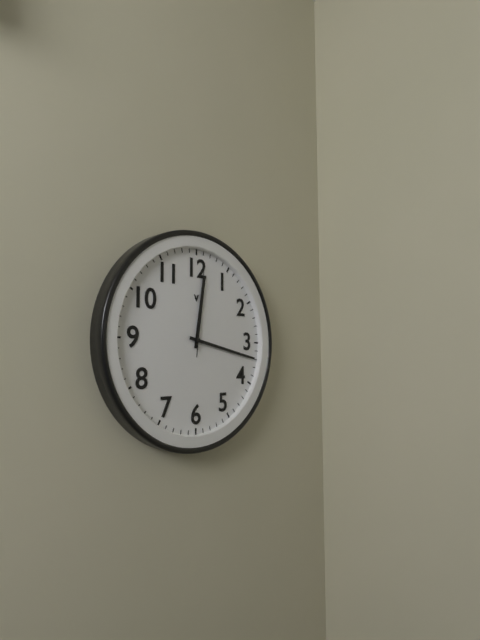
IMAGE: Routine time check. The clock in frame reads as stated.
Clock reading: 12:17:01
